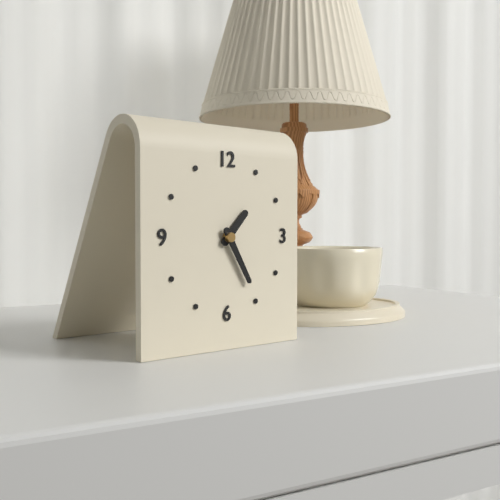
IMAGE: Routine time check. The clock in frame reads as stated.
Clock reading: 1:25
